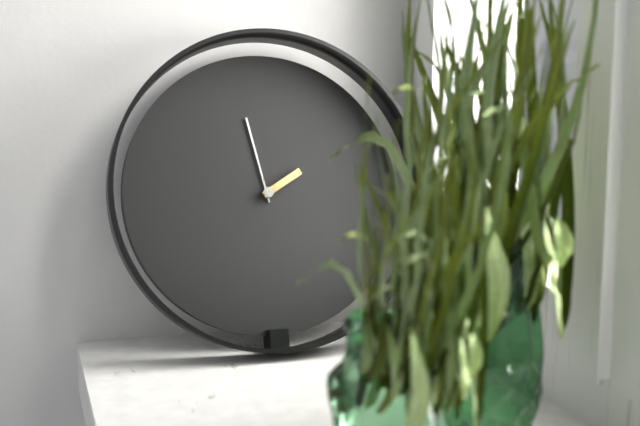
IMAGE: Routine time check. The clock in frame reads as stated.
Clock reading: 1:58
